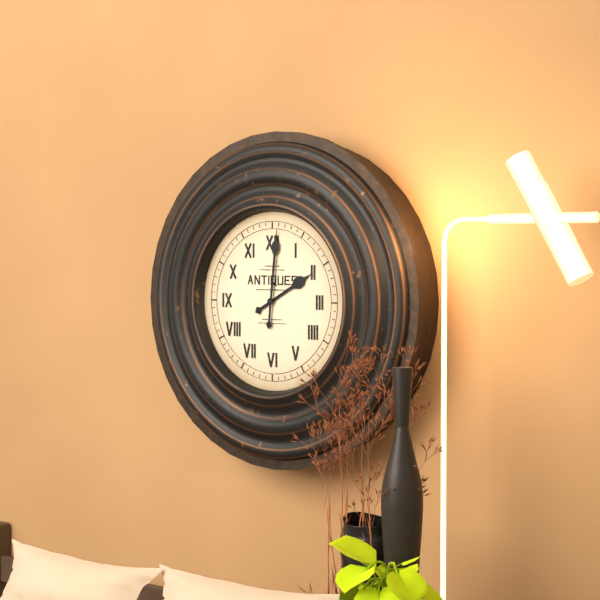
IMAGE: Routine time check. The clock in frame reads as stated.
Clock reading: 2:01
